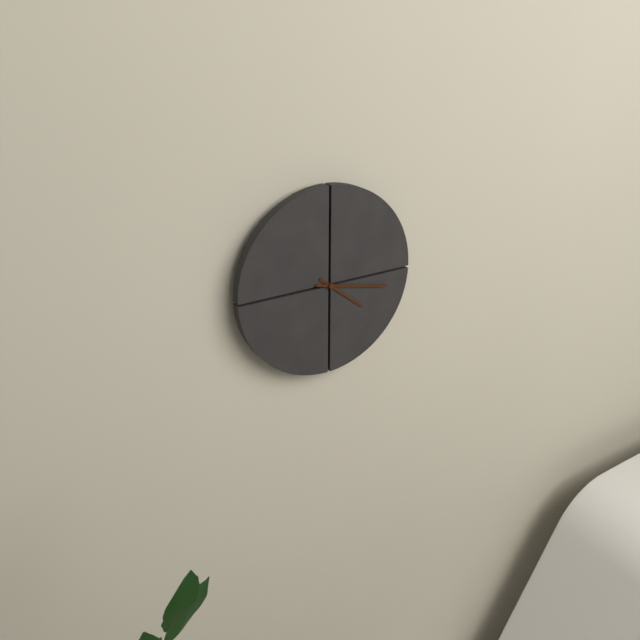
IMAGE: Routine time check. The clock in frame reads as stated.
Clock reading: 4:17
